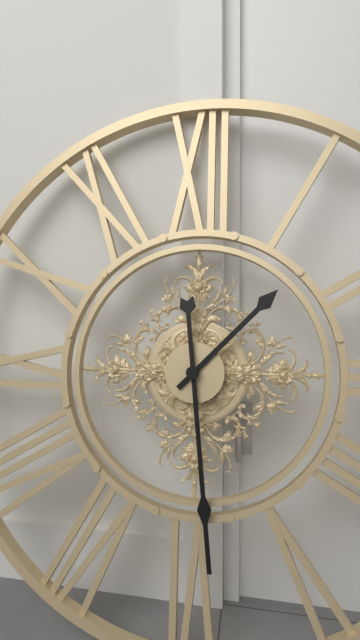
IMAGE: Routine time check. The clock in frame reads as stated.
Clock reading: 1:29
